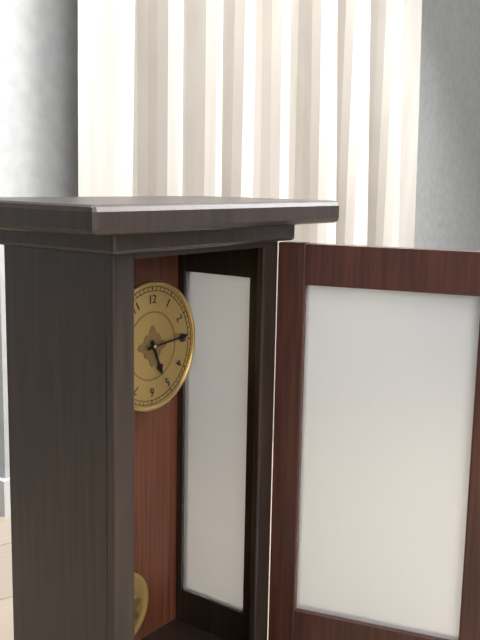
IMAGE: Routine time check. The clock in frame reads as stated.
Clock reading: 5:14
